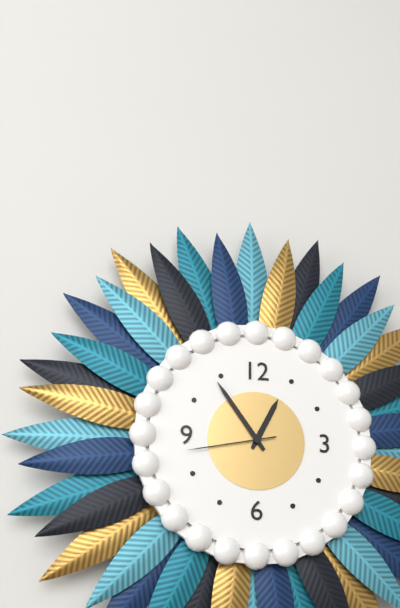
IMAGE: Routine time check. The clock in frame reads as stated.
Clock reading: 12:54:43
